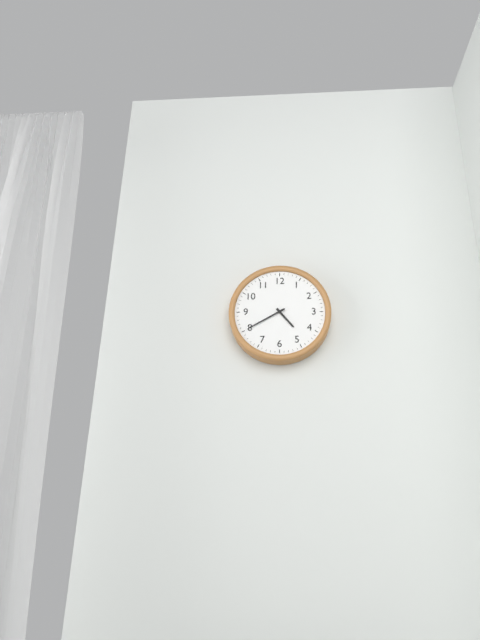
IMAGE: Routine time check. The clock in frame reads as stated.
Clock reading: 4:40
